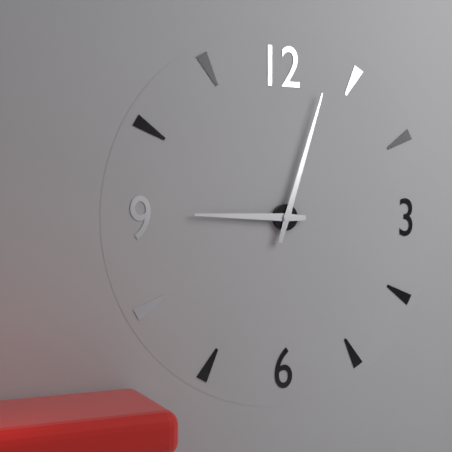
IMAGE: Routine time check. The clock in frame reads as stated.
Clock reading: 9:03
